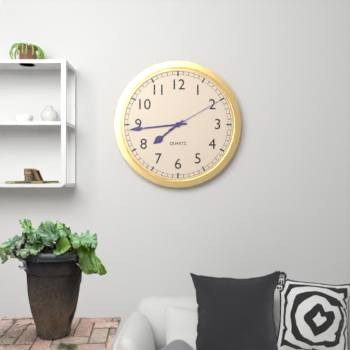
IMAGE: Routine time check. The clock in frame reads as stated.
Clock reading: 7:44:10
